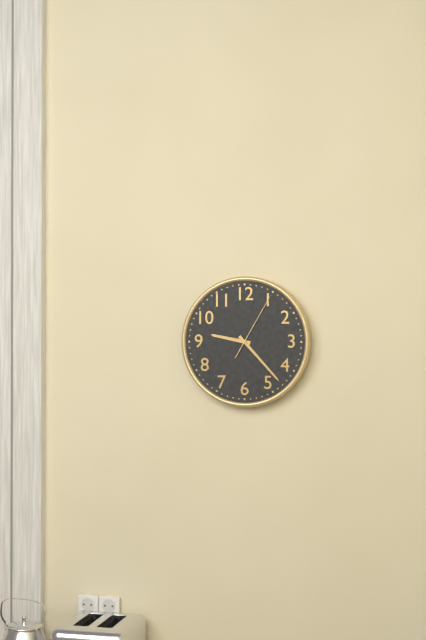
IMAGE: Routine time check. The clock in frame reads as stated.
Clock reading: 9:23:05
